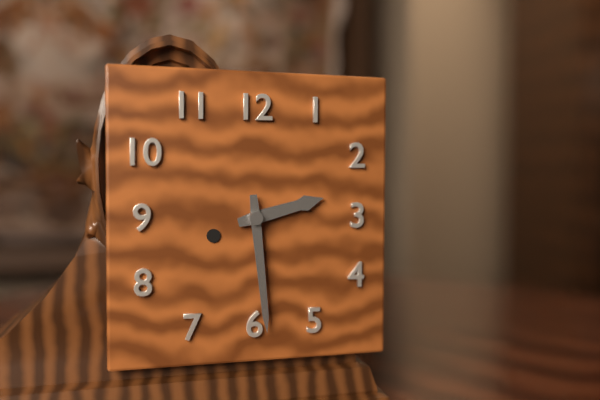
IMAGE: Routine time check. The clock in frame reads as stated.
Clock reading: 2:29
